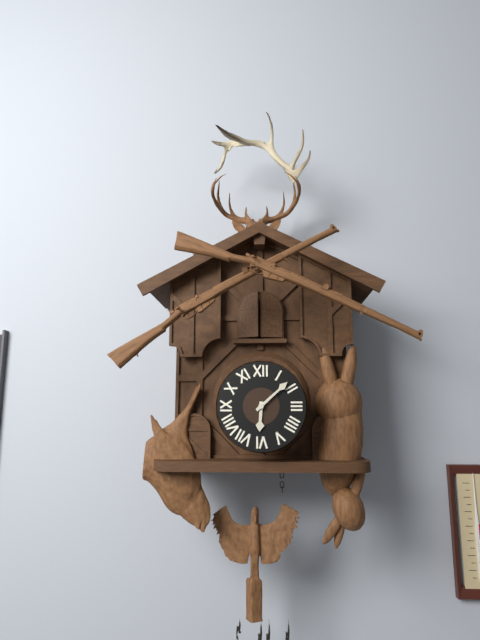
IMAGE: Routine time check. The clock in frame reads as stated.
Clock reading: 6:08
